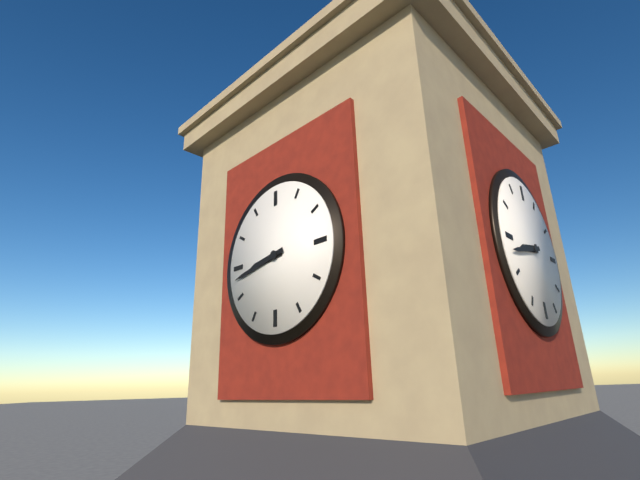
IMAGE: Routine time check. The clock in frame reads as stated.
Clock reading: 8:43
